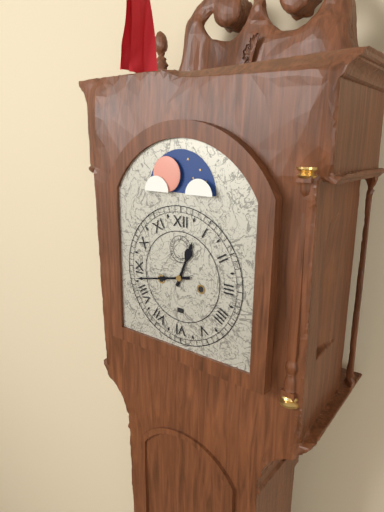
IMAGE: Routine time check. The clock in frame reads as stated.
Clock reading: 12:43
